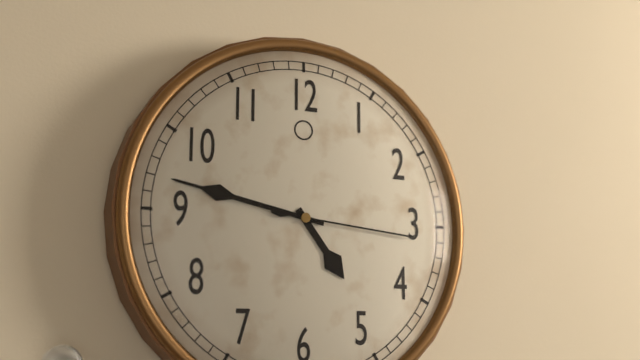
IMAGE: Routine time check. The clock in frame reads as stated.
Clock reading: 4:47:16
